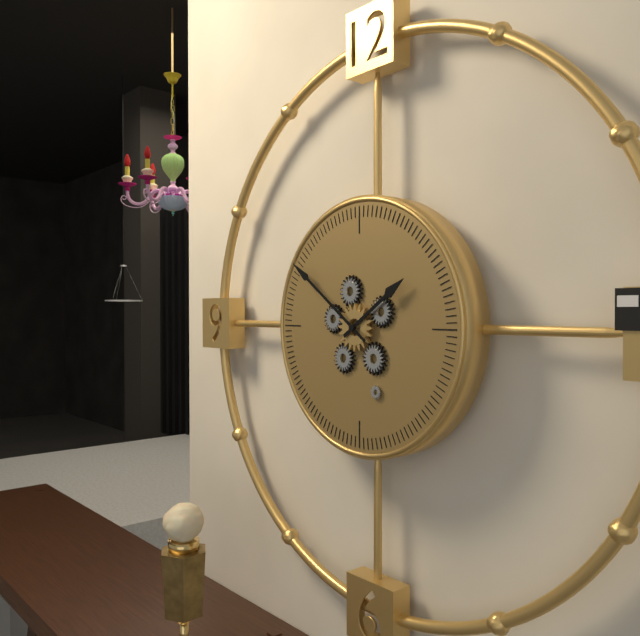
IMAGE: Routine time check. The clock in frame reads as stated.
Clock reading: 1:51
